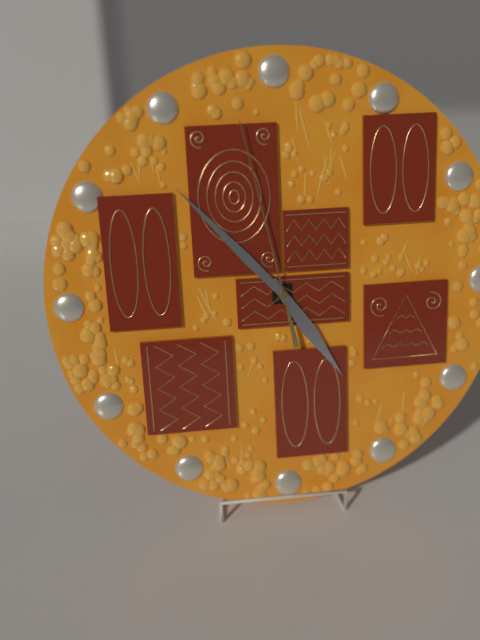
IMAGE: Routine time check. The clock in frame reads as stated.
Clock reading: 4:53:58
